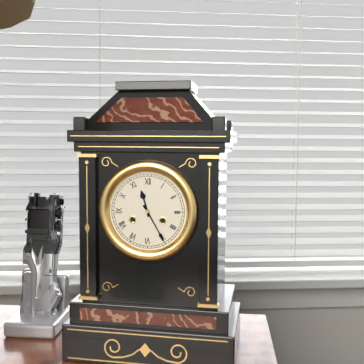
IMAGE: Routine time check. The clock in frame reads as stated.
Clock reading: 11:25
